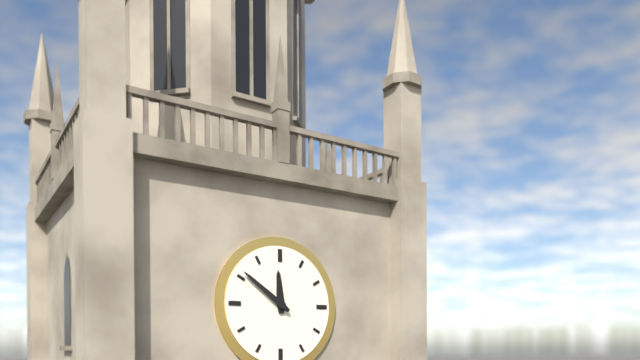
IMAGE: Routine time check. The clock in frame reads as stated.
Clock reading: 11:51
